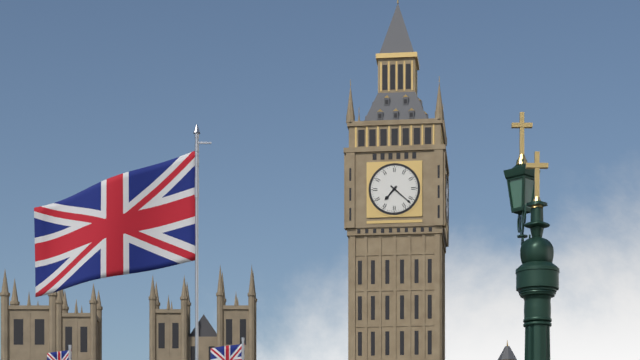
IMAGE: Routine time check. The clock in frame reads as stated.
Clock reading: 7:22
